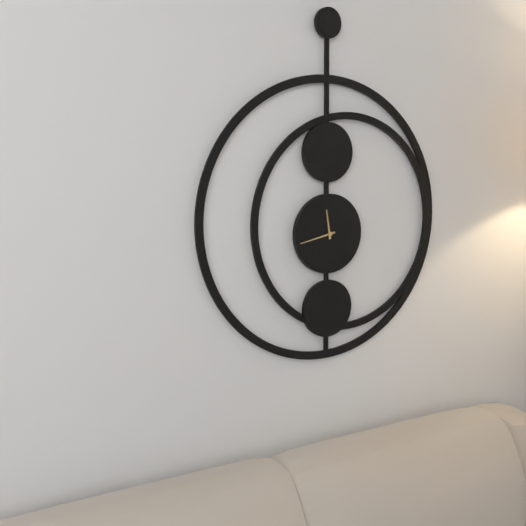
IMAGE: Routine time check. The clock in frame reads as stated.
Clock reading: 11:43
